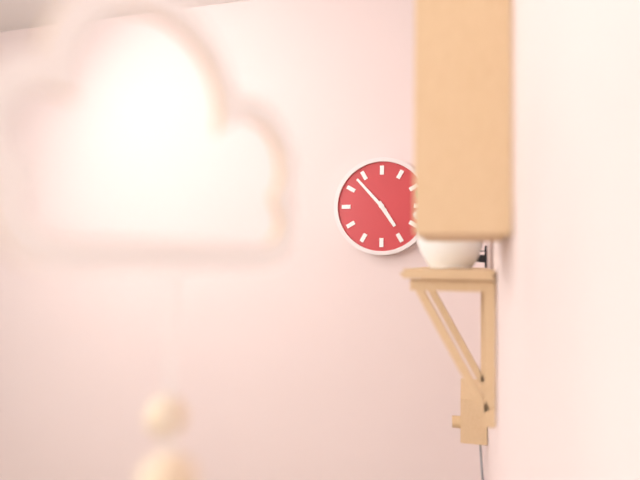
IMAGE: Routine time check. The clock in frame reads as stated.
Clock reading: 4:53
